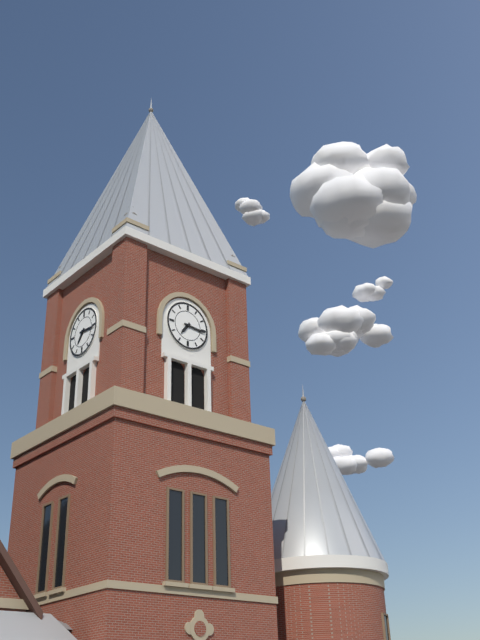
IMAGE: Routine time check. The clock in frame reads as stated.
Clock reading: 7:16
